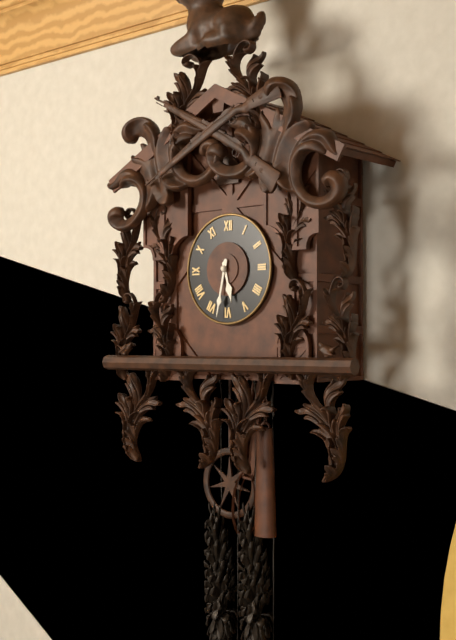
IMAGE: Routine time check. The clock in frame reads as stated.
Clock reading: 5:32
